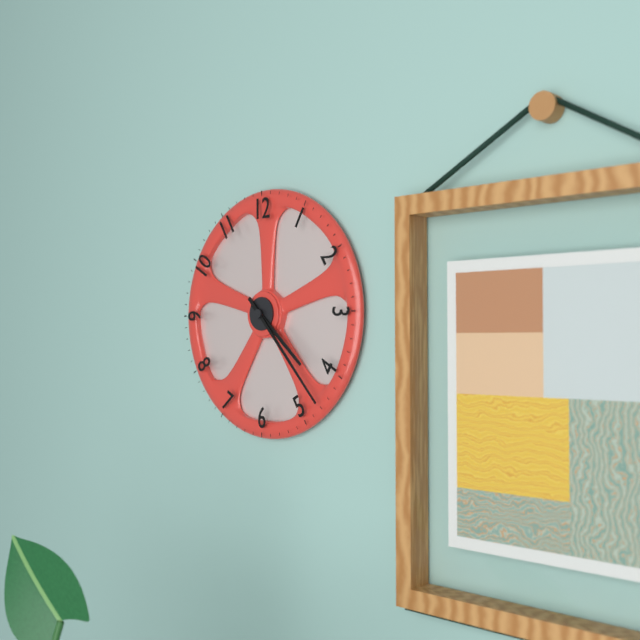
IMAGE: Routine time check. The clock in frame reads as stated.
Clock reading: 4:23
